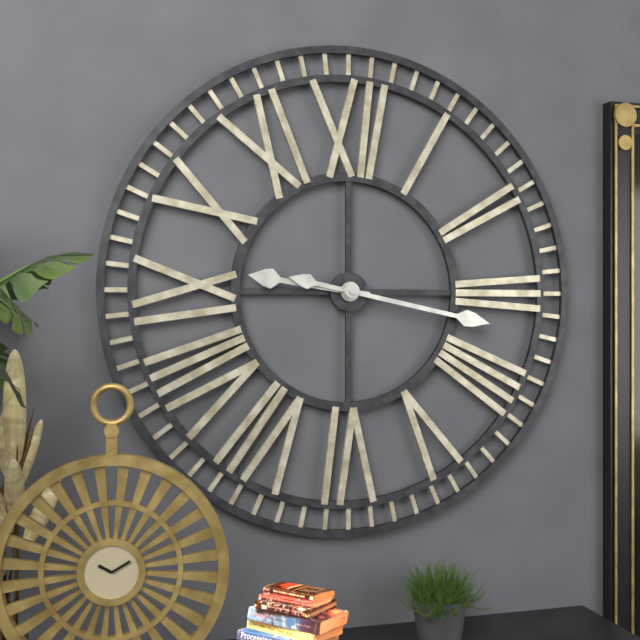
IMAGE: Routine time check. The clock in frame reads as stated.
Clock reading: 9:17
